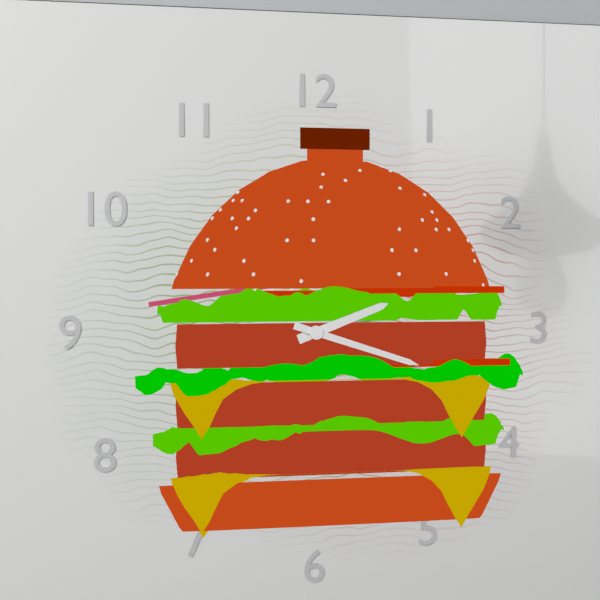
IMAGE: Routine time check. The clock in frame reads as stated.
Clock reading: 2:18
